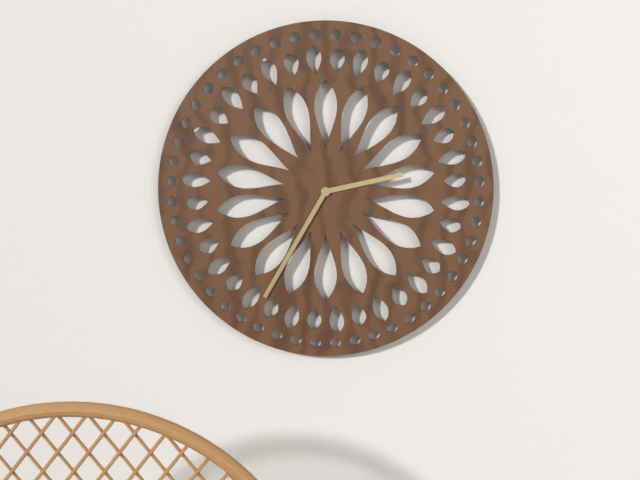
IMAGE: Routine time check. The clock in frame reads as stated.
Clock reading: 2:35
